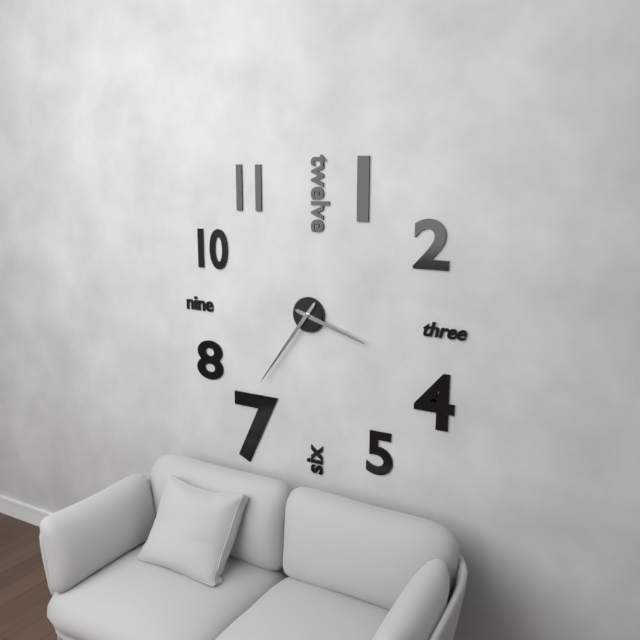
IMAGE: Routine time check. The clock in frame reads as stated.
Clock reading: 3:36
